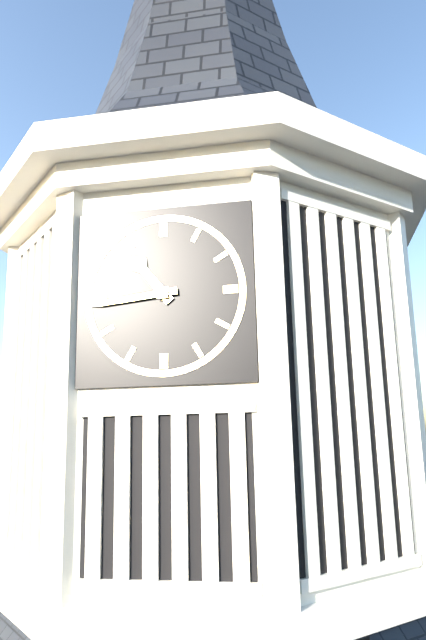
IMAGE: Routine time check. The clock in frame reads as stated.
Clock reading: 10:44
